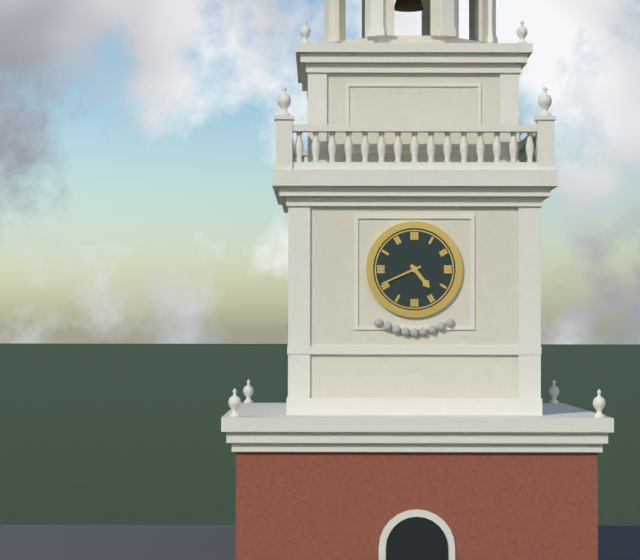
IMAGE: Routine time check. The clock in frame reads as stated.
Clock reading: 4:41
